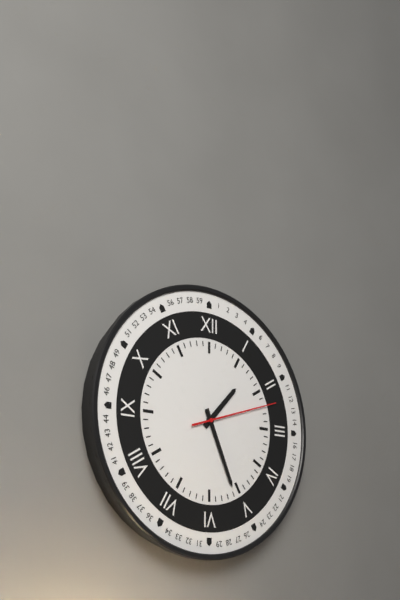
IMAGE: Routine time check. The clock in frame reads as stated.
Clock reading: 1:26:12
